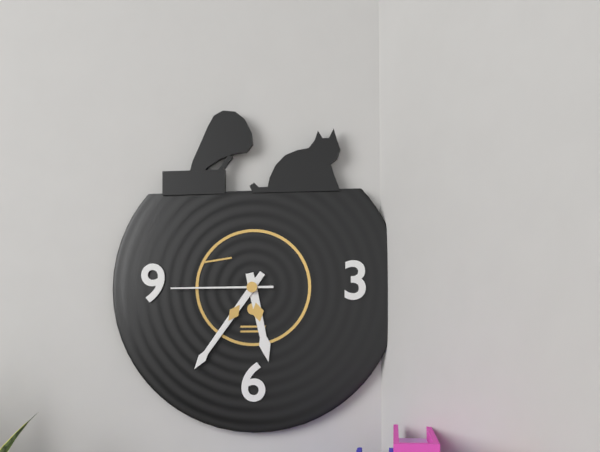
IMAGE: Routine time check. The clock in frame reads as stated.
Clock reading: 5:36:45
